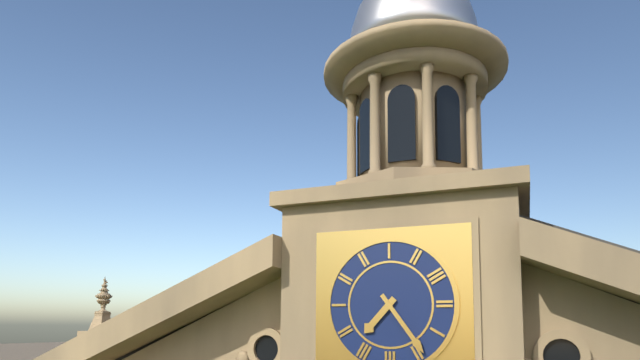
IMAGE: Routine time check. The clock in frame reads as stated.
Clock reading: 7:24
